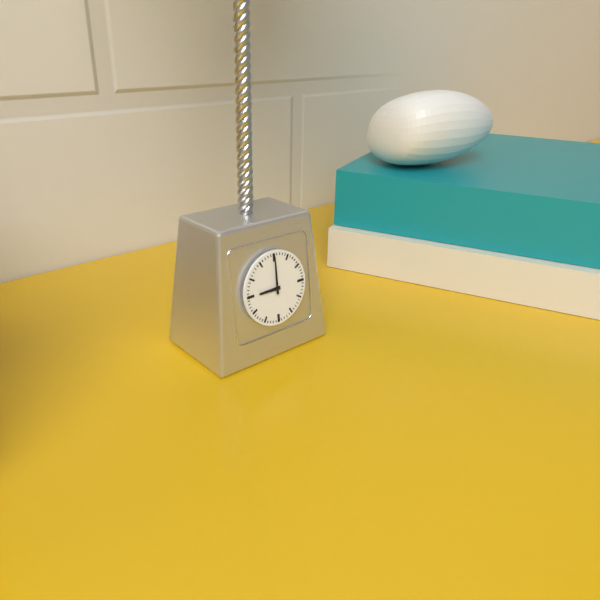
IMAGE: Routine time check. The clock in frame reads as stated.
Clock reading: 9:00
